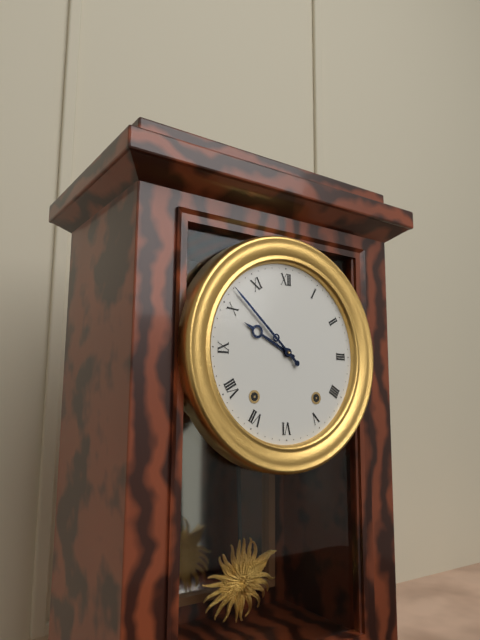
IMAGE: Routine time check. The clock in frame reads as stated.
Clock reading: 9:52
